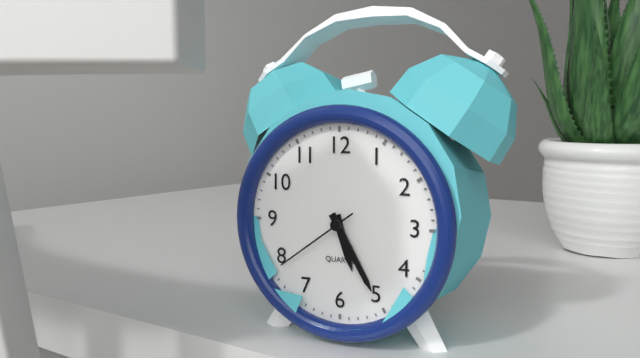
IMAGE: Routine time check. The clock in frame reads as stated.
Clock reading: 5:25:39
